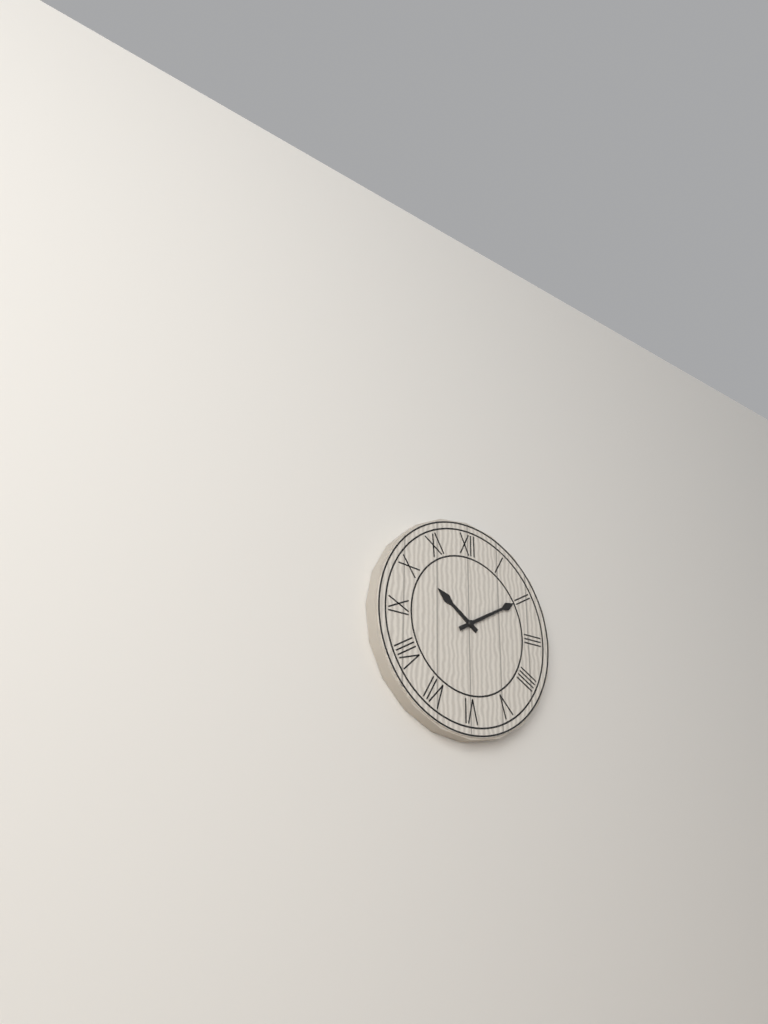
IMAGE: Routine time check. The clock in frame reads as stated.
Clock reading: 10:10
